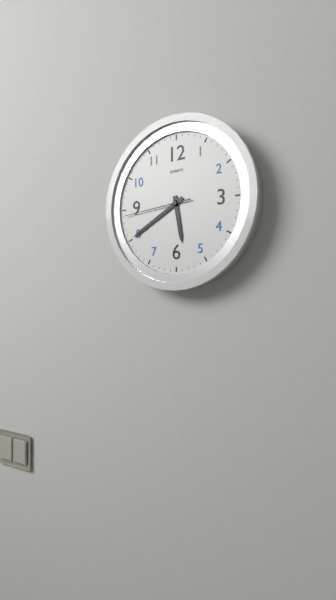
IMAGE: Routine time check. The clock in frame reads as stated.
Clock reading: 5:40:44
